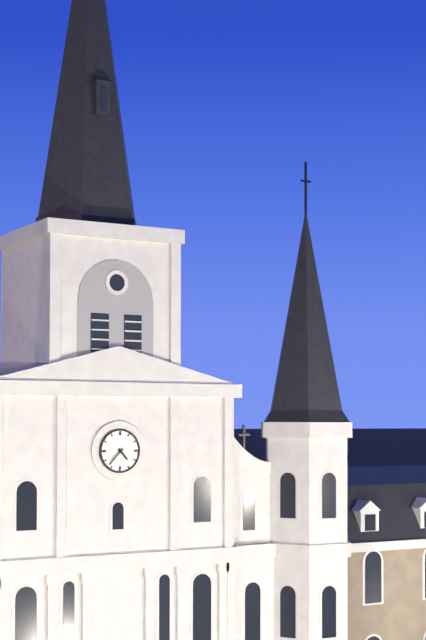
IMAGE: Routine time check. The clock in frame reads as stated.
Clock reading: 4:37
